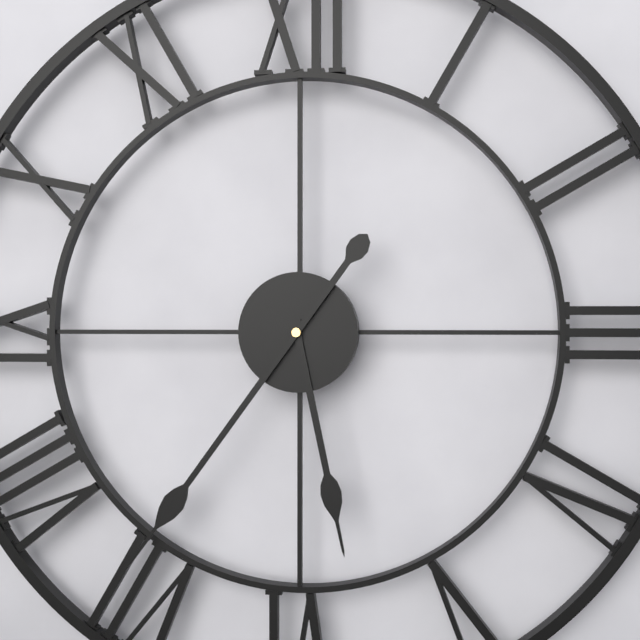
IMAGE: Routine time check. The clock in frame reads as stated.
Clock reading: 5:36
